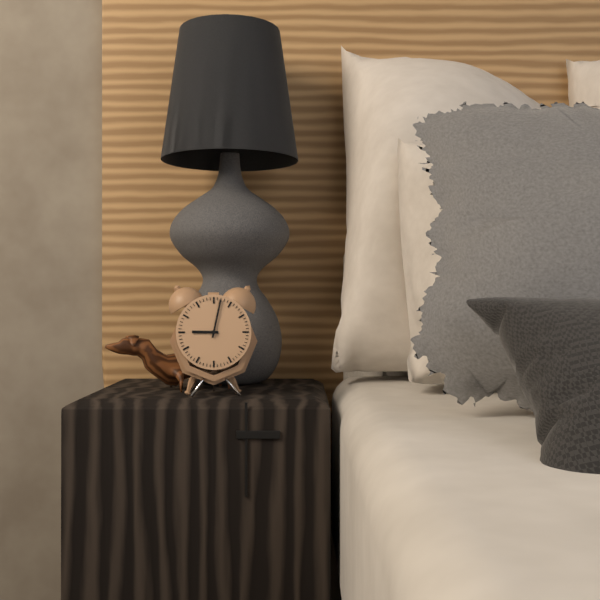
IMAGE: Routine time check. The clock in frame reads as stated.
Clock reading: 9:02
